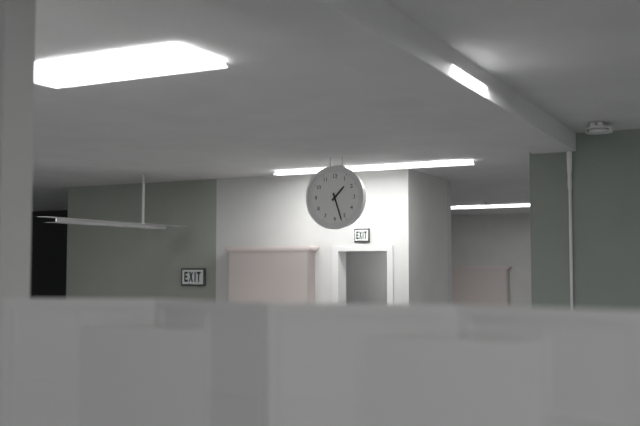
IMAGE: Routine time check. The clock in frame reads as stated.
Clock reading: 1:27
